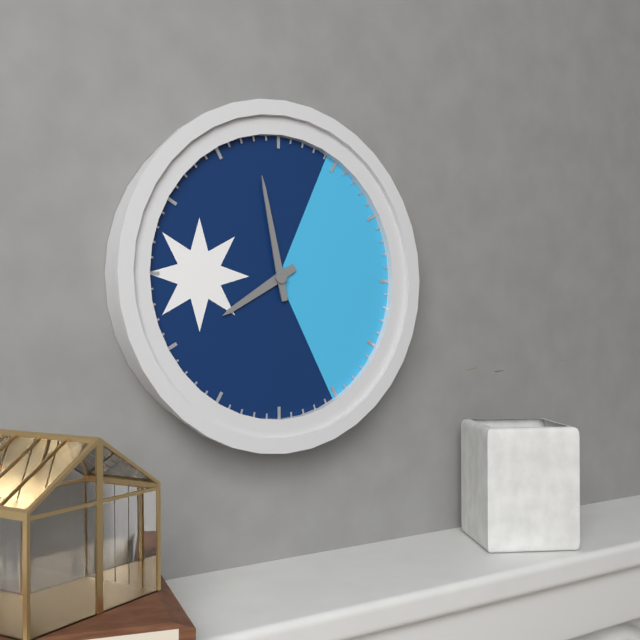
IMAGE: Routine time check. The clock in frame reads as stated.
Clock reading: 7:58
